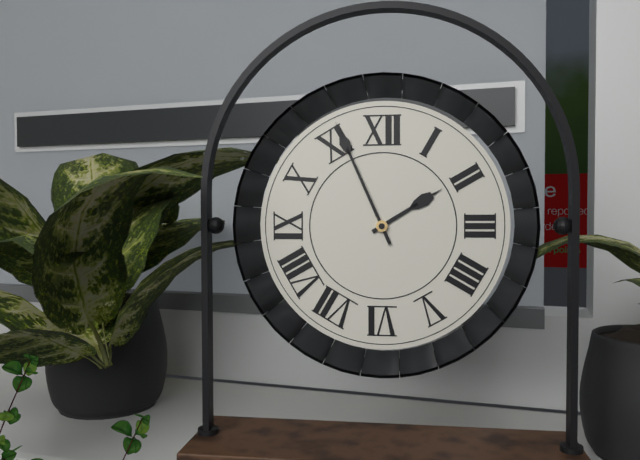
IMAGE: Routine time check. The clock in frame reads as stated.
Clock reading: 1:56
